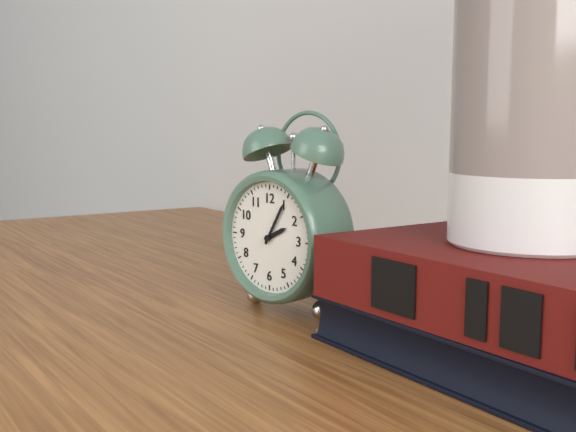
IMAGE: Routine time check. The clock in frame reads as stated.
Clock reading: 2:05
